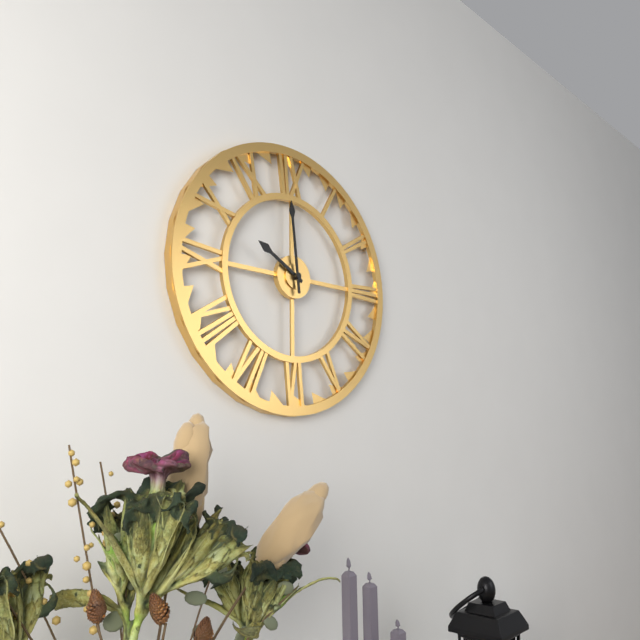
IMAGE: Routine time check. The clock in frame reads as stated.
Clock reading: 9:59
